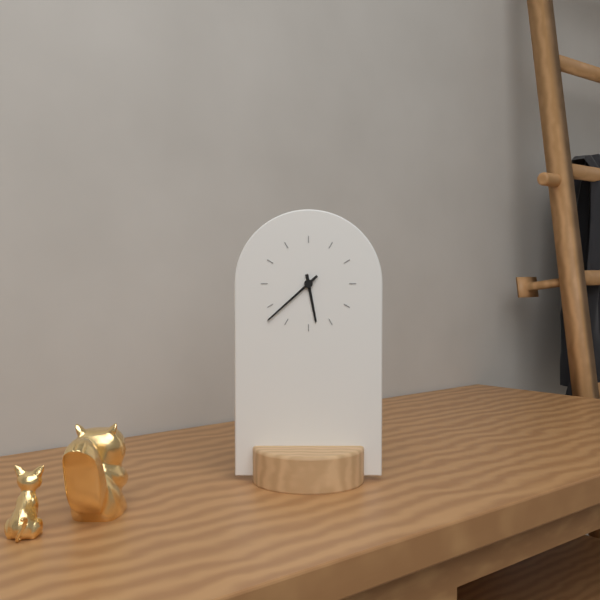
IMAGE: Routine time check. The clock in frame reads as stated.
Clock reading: 5:38
